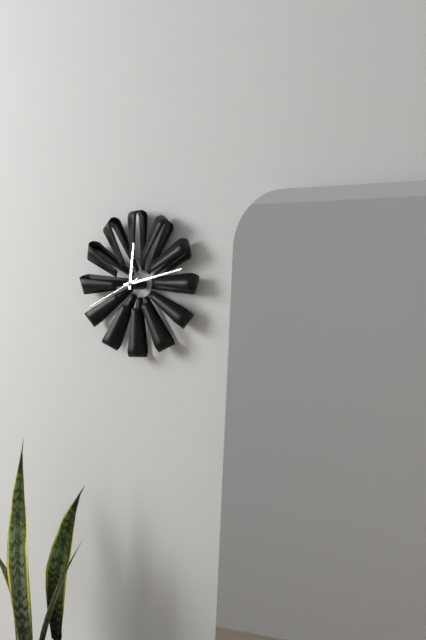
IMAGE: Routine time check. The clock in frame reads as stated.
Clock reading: 12:13:41
